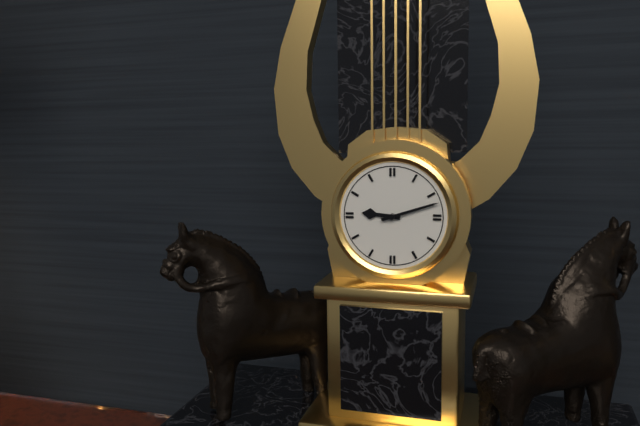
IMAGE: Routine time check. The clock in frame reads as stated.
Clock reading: 9:12
